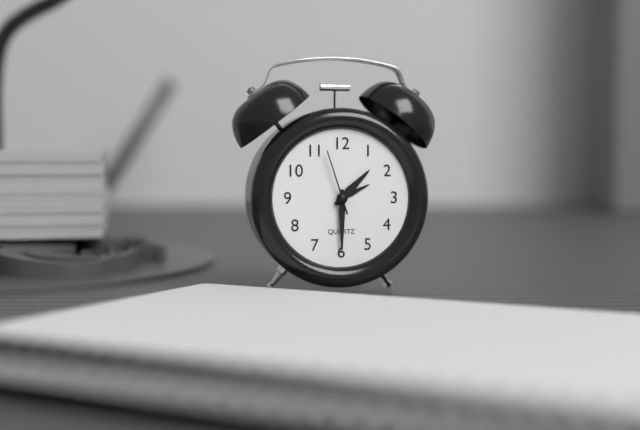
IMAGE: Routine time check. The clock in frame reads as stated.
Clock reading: 1:30:57
